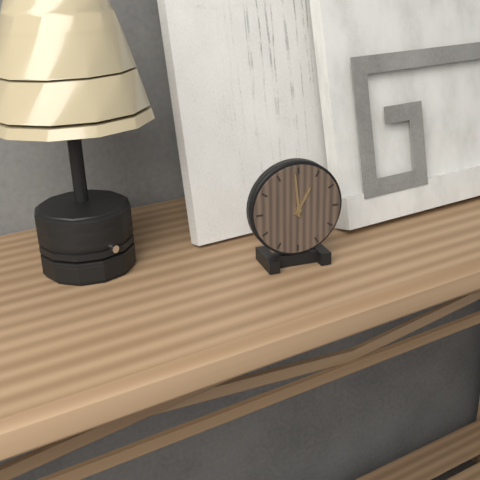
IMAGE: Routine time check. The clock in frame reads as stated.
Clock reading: 12:59
